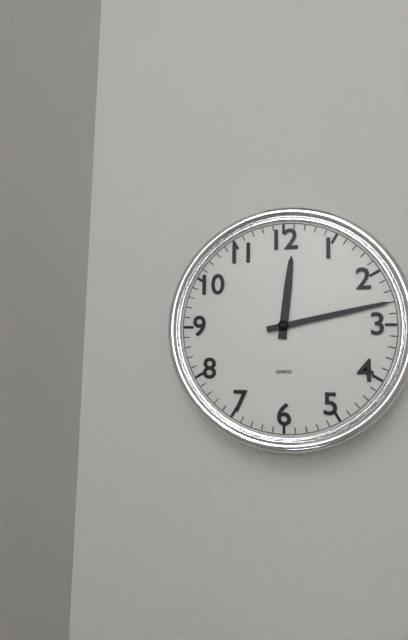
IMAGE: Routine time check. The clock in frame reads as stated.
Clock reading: 12:13
